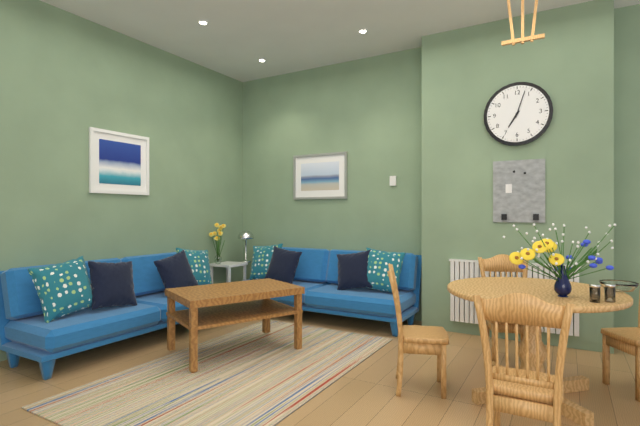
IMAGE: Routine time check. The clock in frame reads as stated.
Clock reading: 7:03
